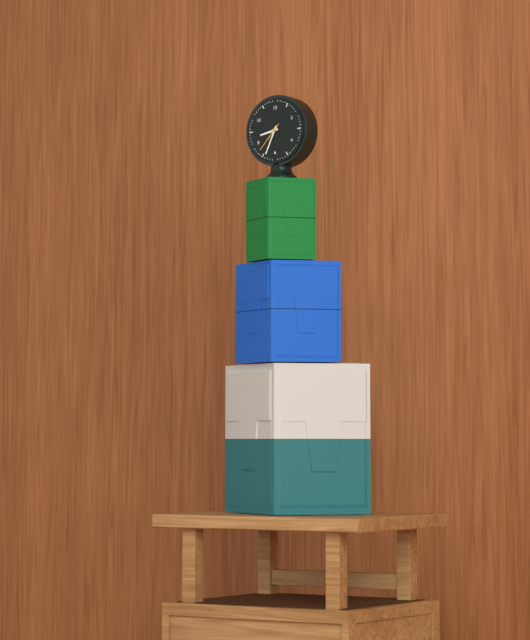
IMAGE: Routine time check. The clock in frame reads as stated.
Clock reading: 8:34
